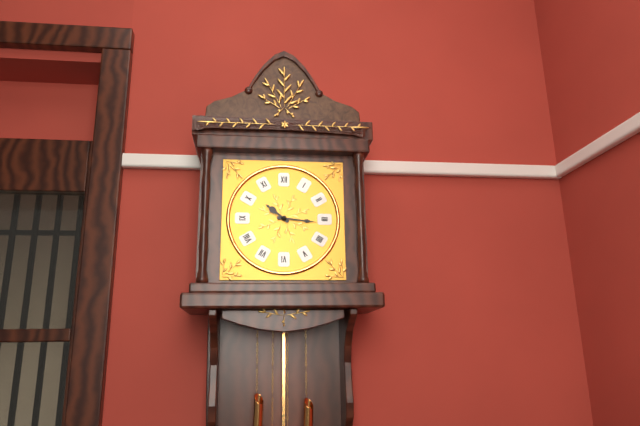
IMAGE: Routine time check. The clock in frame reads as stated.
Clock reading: 10:16
